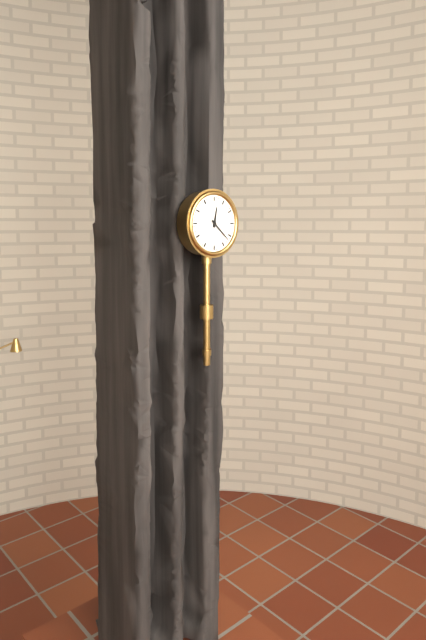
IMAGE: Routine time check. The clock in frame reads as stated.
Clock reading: 12:22
